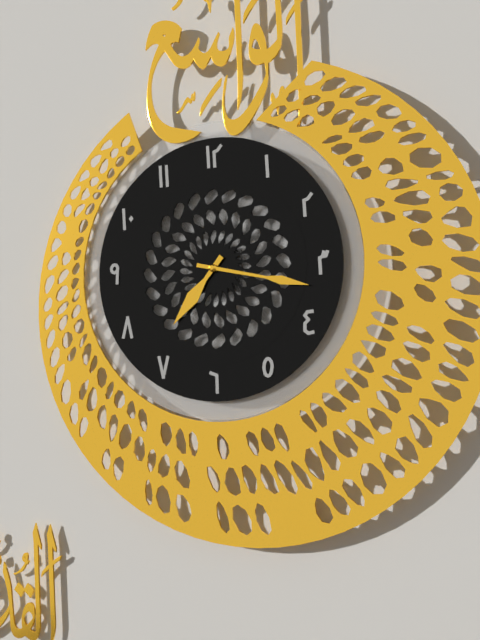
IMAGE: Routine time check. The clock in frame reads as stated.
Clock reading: 7:17
